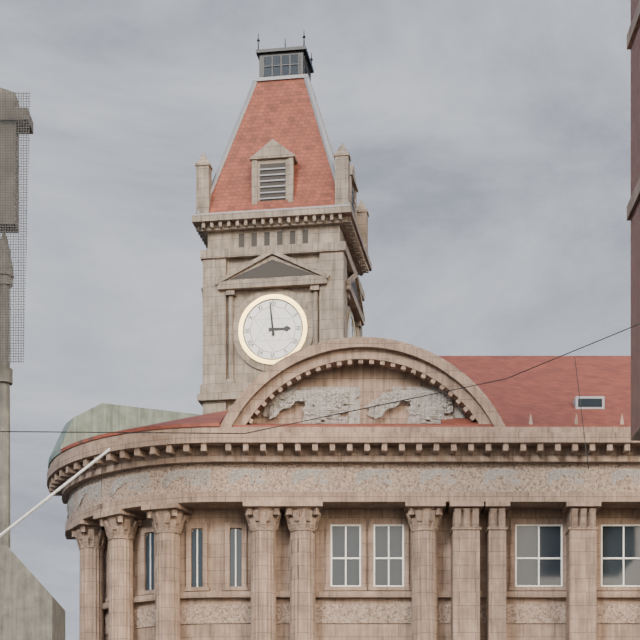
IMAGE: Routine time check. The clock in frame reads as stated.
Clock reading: 2:59
